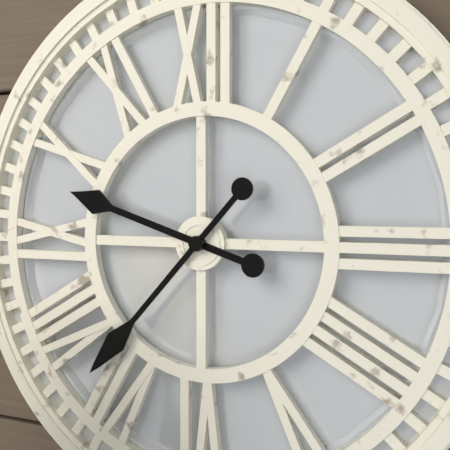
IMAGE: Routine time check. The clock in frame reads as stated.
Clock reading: 9:37
